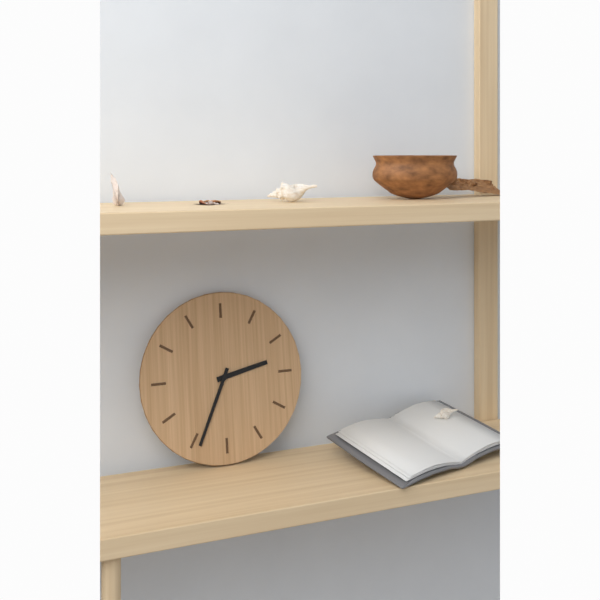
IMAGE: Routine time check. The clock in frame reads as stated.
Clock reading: 2:34
